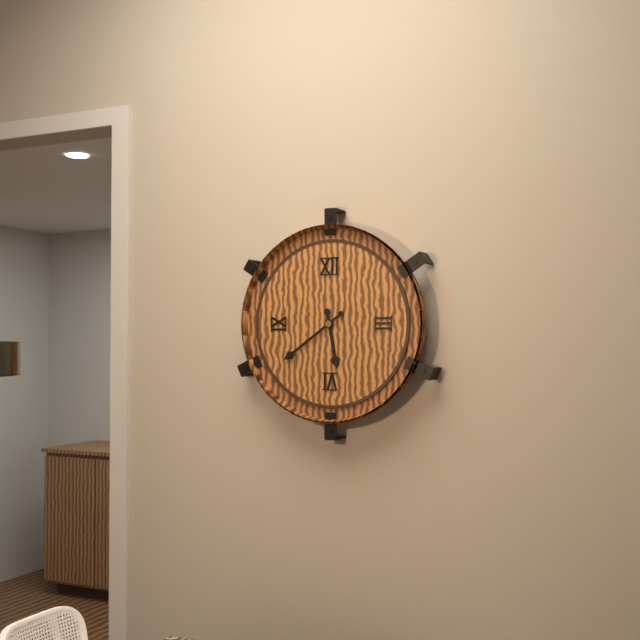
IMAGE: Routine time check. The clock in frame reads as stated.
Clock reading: 5:39
